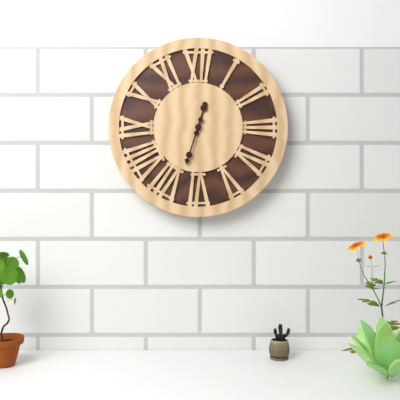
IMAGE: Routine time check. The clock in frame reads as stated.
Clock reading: 12:33
